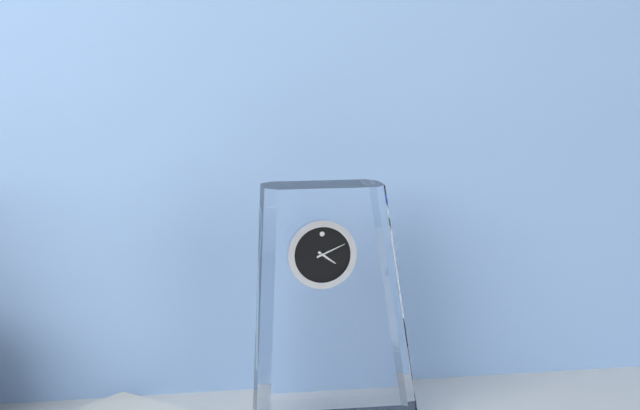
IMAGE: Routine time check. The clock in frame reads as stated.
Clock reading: 4:11
